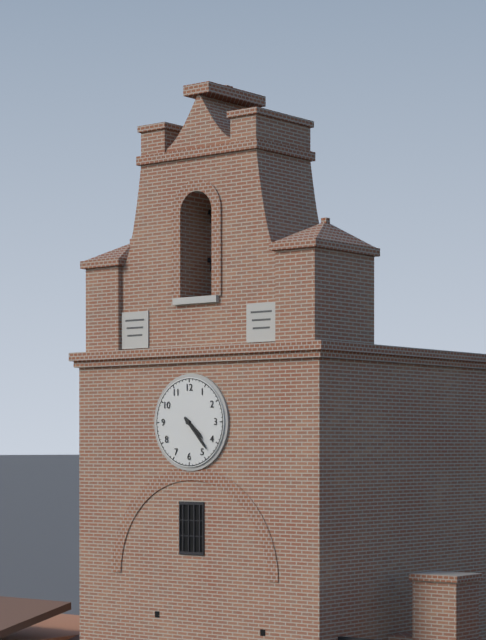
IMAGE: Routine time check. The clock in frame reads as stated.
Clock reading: 4:23
